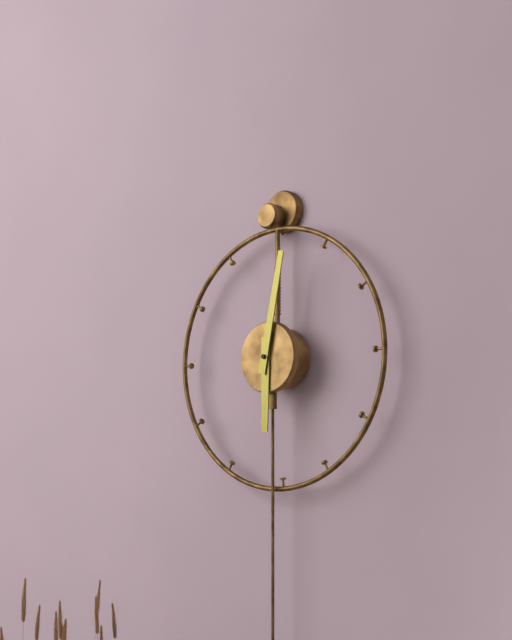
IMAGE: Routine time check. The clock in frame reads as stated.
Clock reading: 6:02
